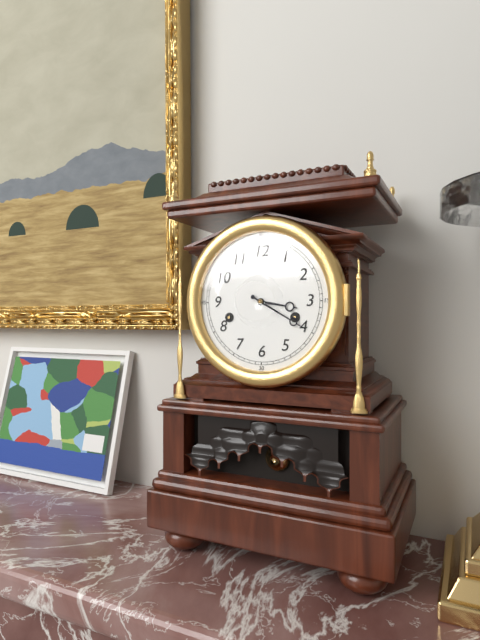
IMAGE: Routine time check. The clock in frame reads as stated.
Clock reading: 3:20
